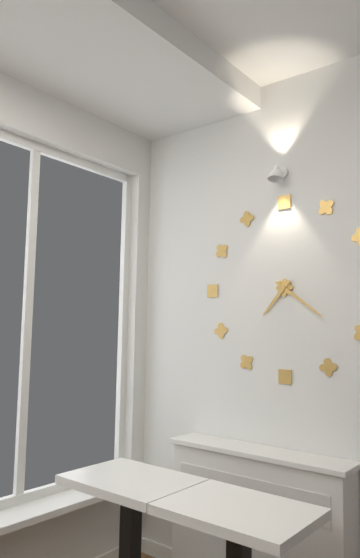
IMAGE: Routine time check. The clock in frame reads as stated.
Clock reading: 7:21
